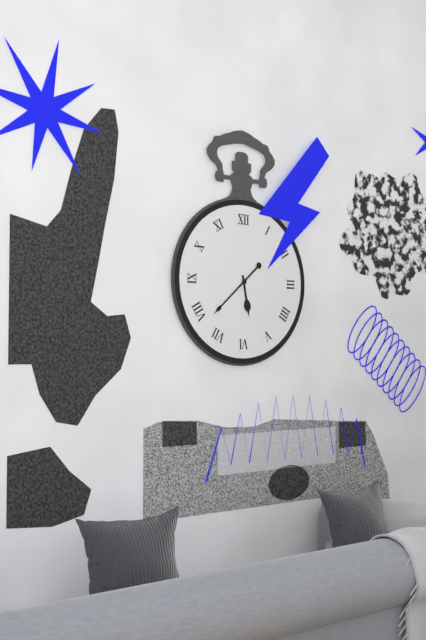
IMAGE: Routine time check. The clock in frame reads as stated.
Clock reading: 5:38
